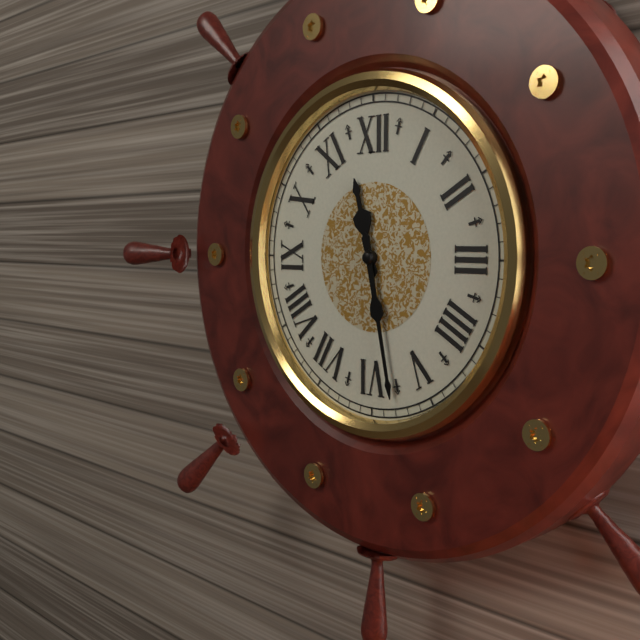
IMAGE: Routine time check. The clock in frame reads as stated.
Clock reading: 11:28
